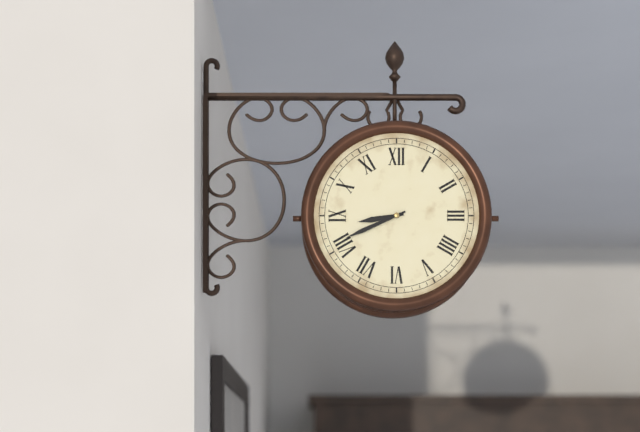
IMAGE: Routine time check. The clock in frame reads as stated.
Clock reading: 8:41
